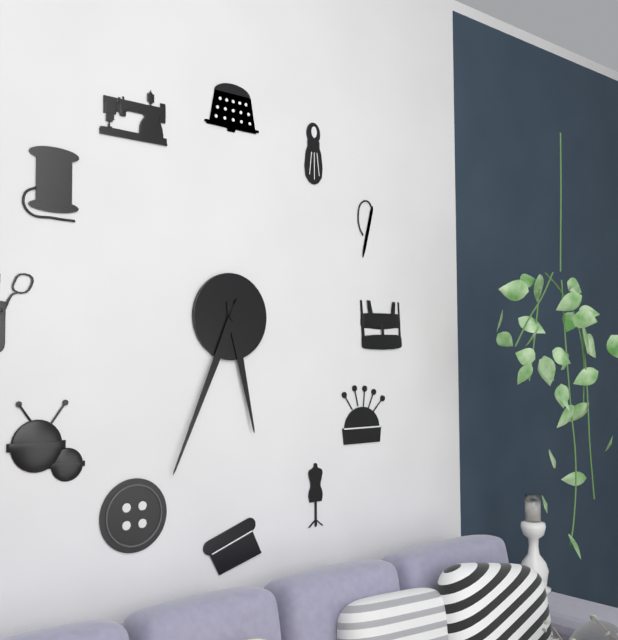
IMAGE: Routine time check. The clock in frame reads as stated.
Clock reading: 5:34
